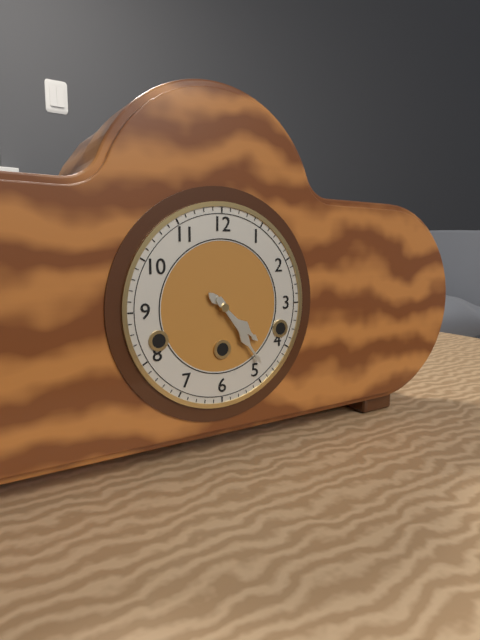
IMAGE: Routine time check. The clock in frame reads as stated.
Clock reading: 4:24
